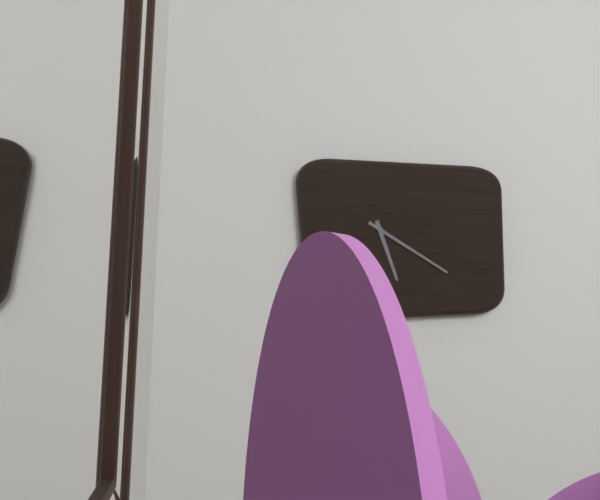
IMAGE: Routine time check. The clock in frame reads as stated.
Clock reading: 5:20
